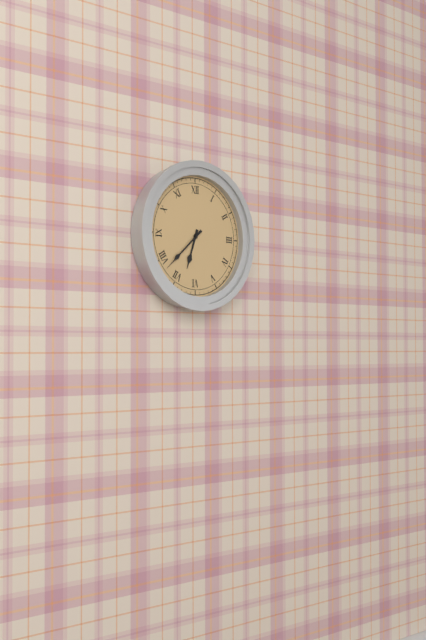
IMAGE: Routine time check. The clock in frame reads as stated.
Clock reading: 6:38
